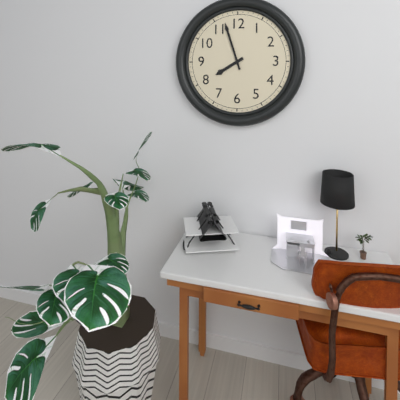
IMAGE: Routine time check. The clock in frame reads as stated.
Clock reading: 7:57
